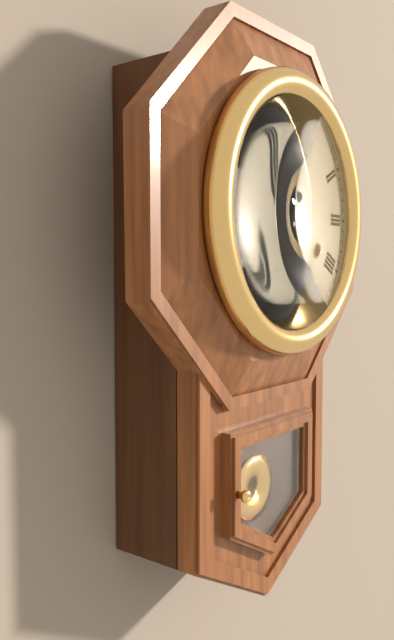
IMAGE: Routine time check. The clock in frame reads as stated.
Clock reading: 9:37
